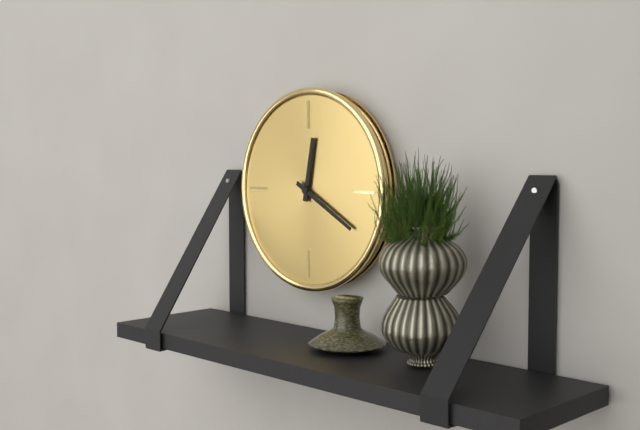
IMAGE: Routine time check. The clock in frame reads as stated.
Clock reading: 12:20
